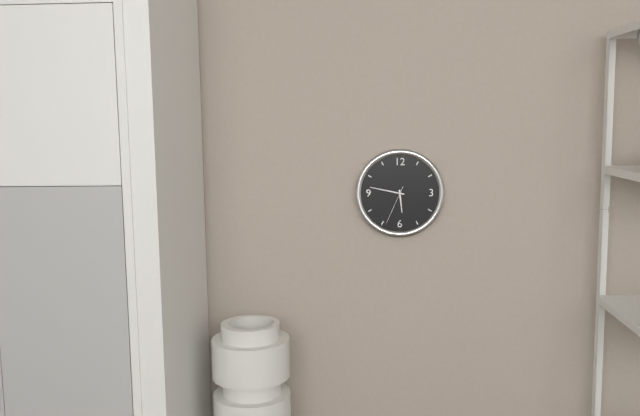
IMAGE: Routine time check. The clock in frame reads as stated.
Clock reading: 5:47
